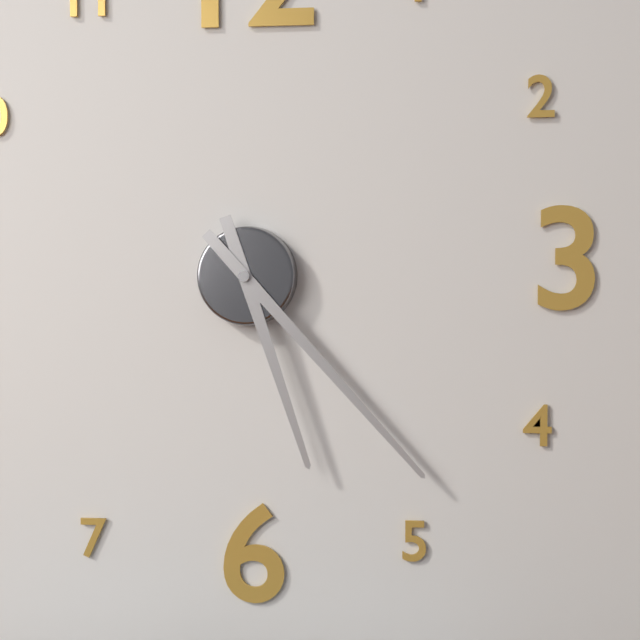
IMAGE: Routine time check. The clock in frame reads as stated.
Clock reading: 5:23
